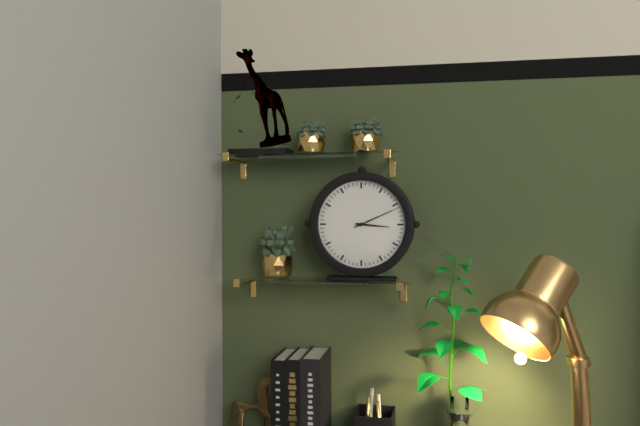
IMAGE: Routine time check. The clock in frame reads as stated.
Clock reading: 3:11
